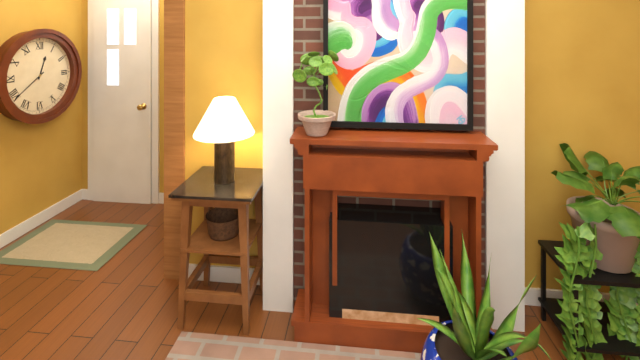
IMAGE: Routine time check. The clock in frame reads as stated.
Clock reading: 12:39
